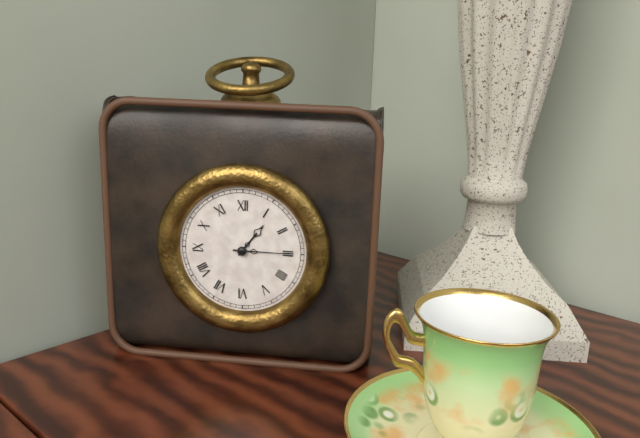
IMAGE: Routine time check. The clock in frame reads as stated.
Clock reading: 1:15
